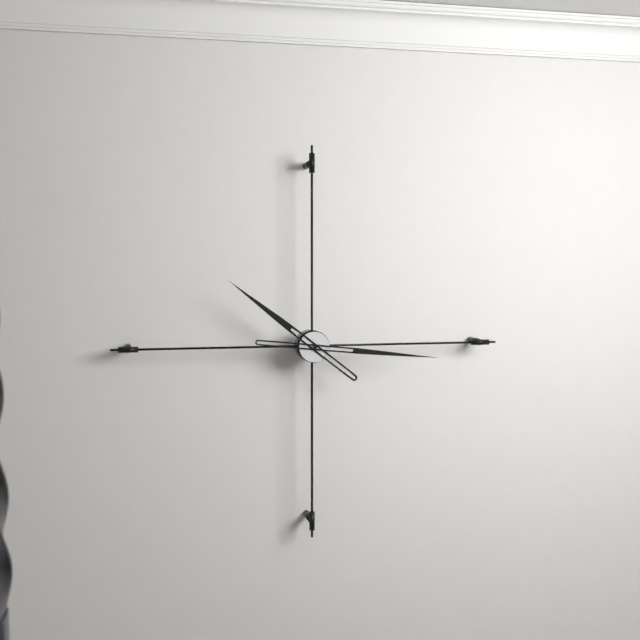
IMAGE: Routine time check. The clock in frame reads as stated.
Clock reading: 10:16
